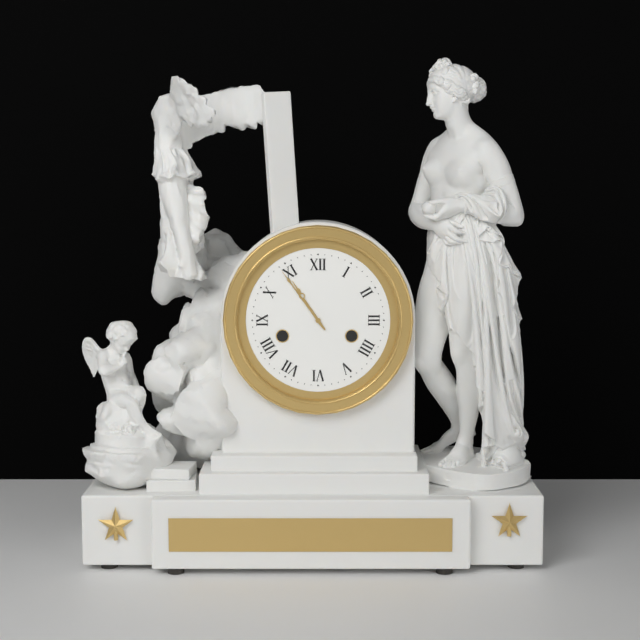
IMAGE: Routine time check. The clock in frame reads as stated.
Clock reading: 10:54
